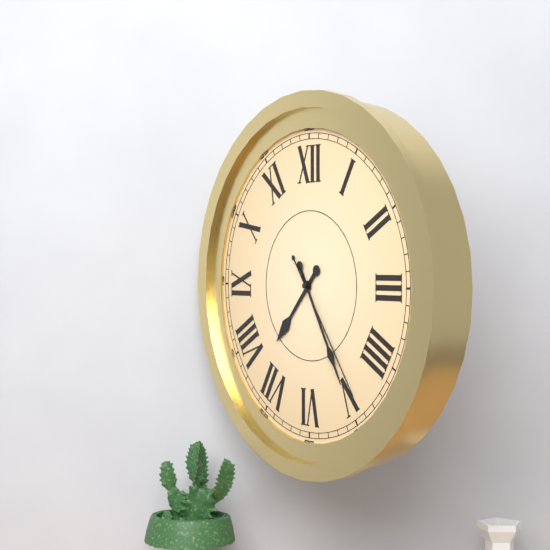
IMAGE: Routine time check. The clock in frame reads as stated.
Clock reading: 7:25:24
